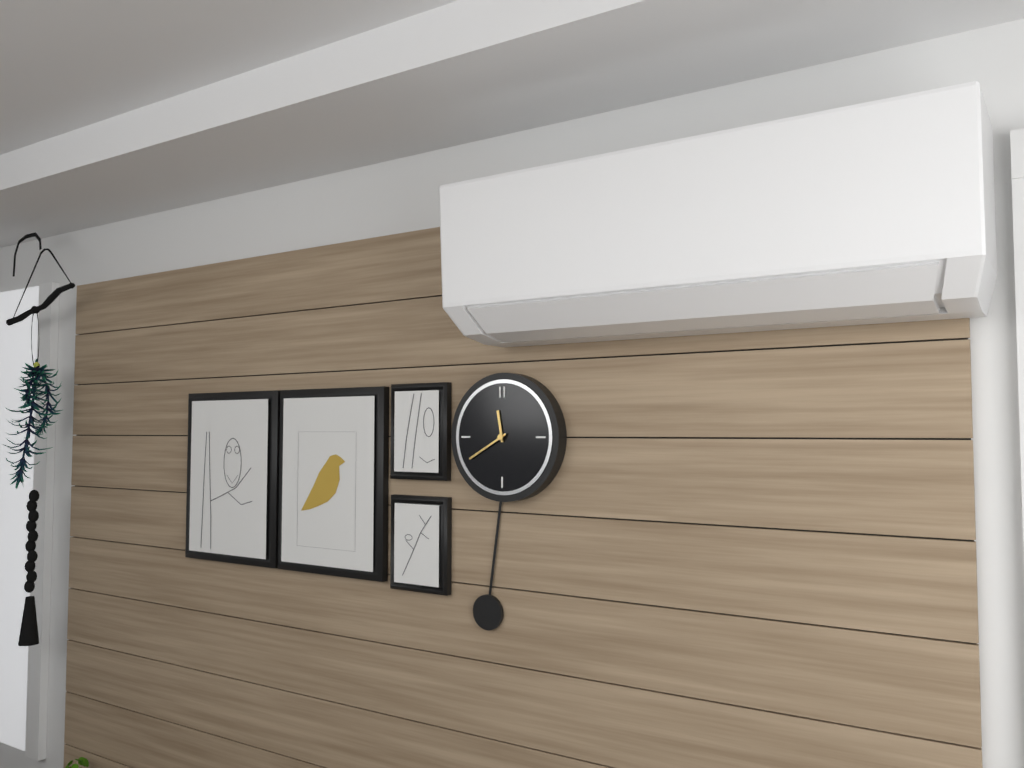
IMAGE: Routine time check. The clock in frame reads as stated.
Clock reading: 11:40
